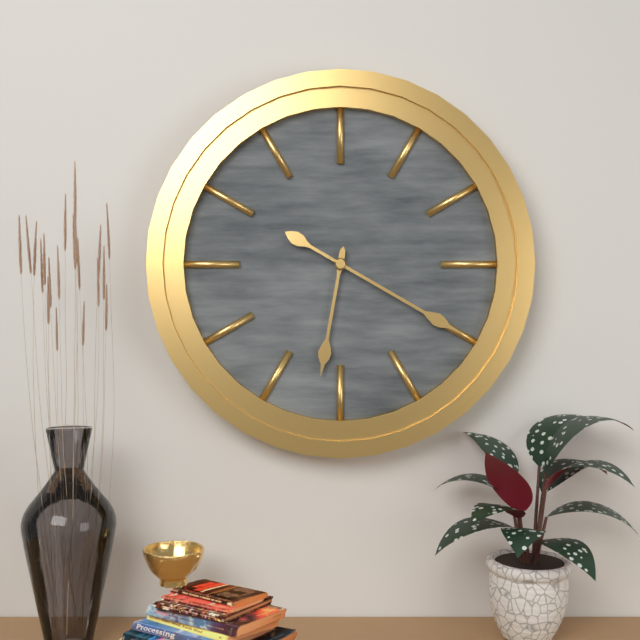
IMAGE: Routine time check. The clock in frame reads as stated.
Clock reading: 6:20
